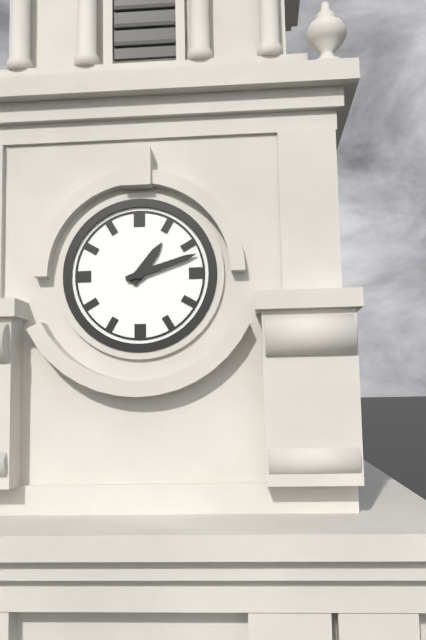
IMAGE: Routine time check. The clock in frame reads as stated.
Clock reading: 1:12
